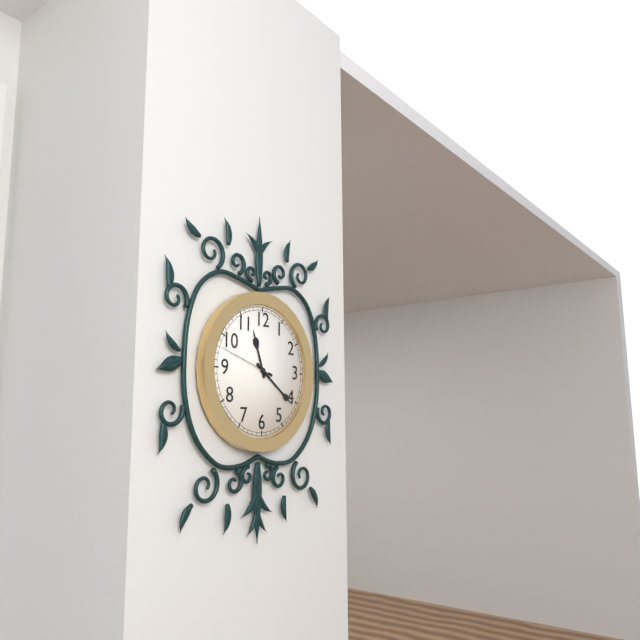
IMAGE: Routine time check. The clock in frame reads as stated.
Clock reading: 11:21:48
